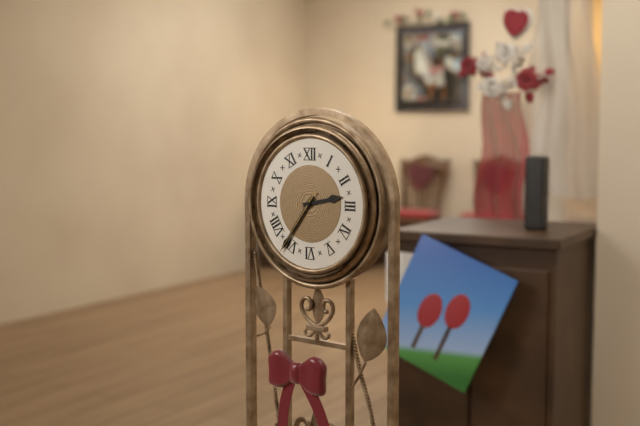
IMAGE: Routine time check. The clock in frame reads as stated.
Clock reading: 2:36:36
